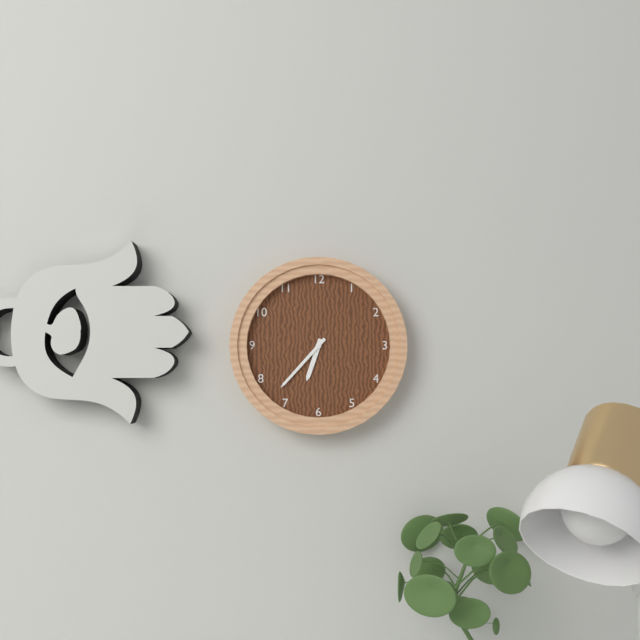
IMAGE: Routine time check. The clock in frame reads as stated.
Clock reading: 6:37
